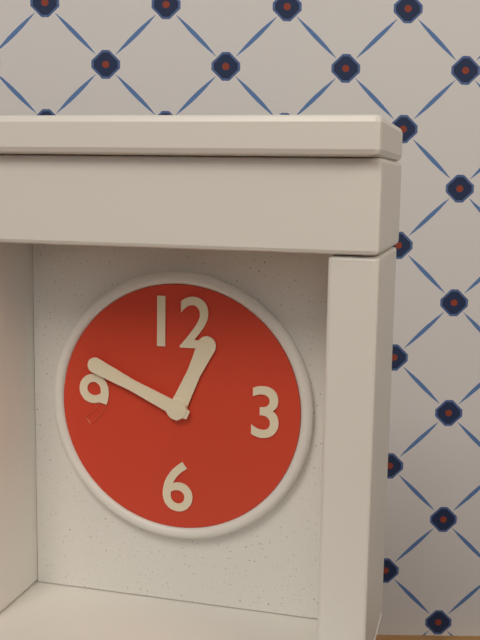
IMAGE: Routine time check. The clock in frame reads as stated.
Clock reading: 12:49
